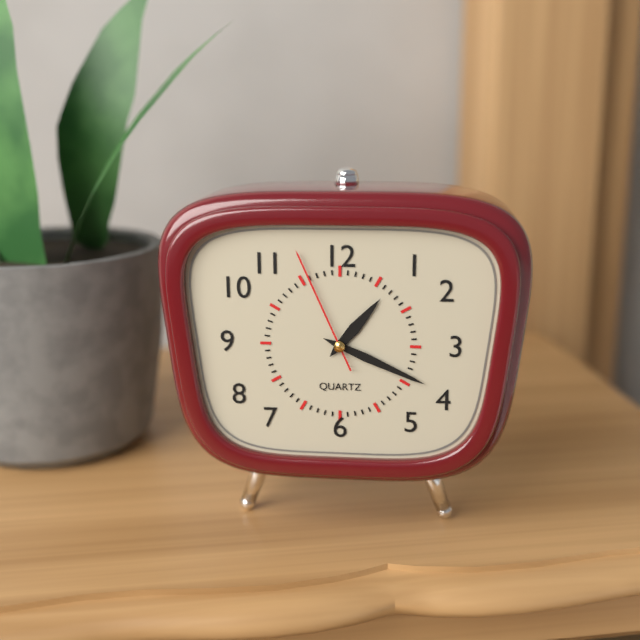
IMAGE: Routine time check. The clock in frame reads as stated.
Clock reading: 1:19:56
